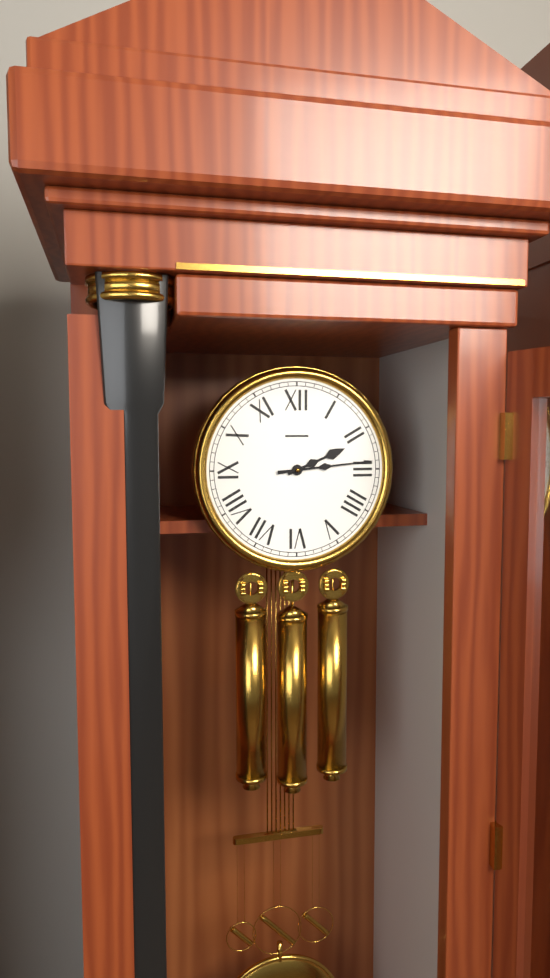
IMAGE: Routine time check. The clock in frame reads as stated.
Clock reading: 2:14
